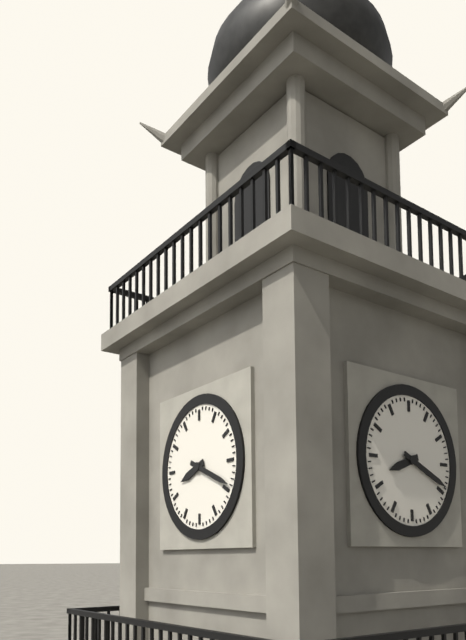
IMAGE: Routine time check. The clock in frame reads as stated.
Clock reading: 8:19
